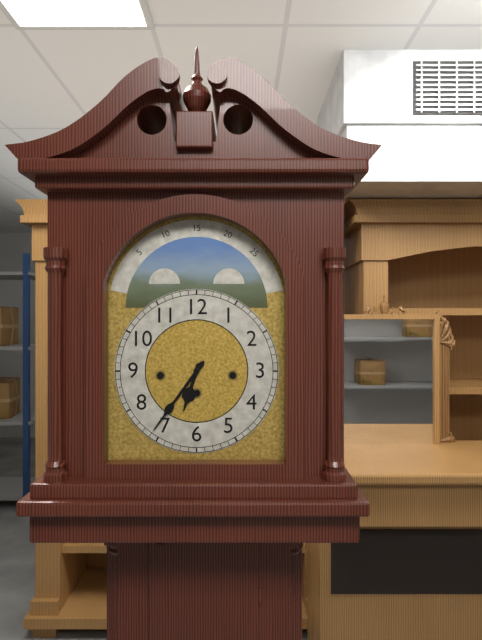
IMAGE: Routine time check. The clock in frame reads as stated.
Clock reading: 6:36
